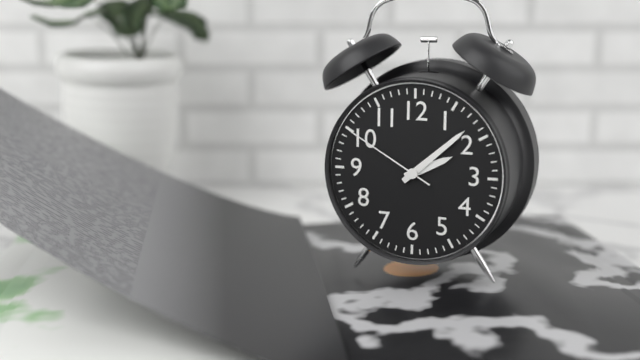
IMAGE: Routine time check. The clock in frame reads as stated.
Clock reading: 2:08:50
